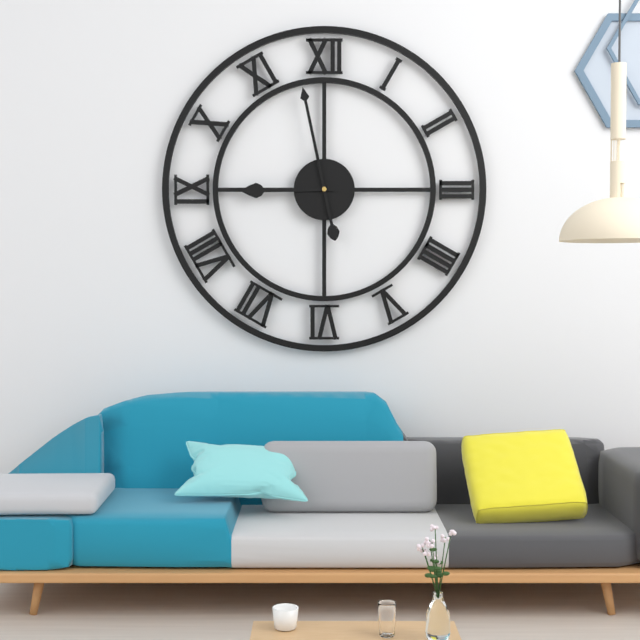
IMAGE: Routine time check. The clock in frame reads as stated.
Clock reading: 8:58
